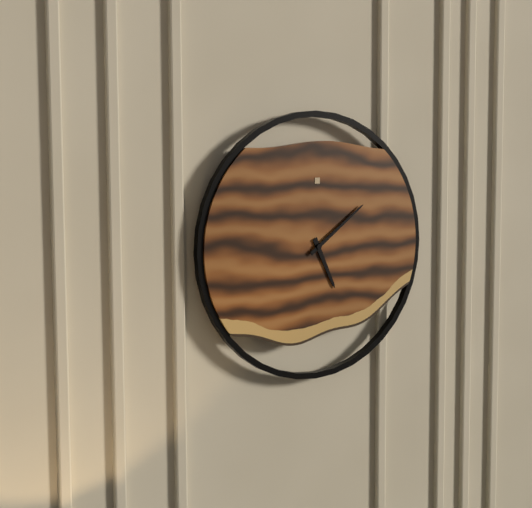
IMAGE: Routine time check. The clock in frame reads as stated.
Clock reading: 5:09
